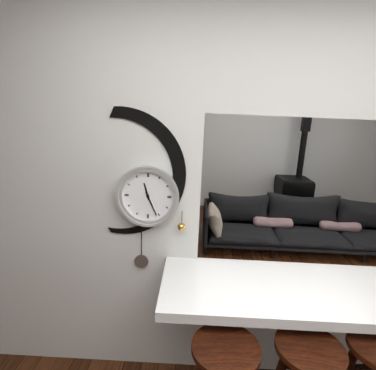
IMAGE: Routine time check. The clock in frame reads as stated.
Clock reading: 11:26
